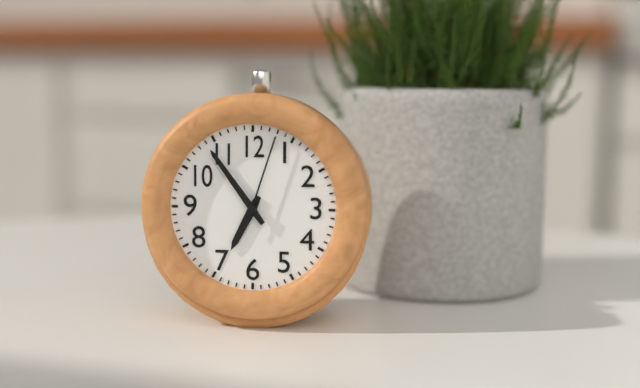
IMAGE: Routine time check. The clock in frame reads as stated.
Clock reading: 6:54:03
